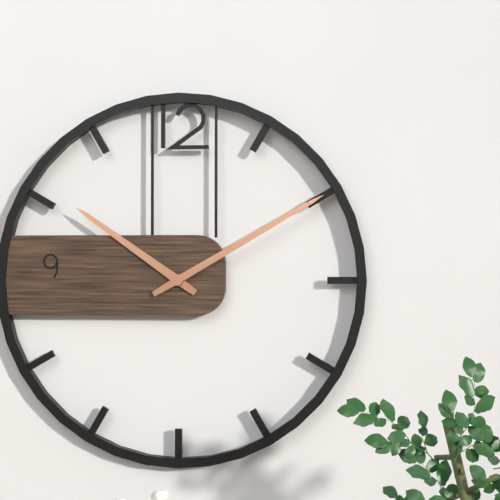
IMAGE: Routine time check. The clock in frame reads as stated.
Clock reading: 10:10
